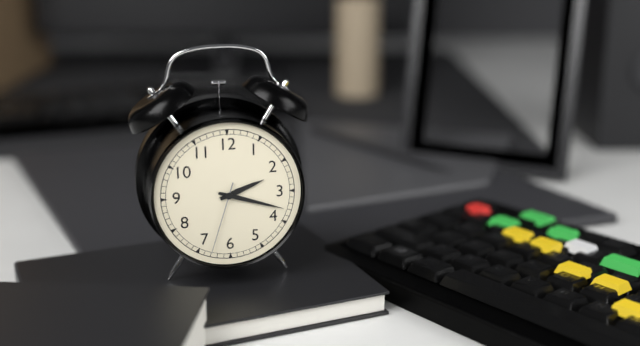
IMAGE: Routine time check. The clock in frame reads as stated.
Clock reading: 2:18:33
